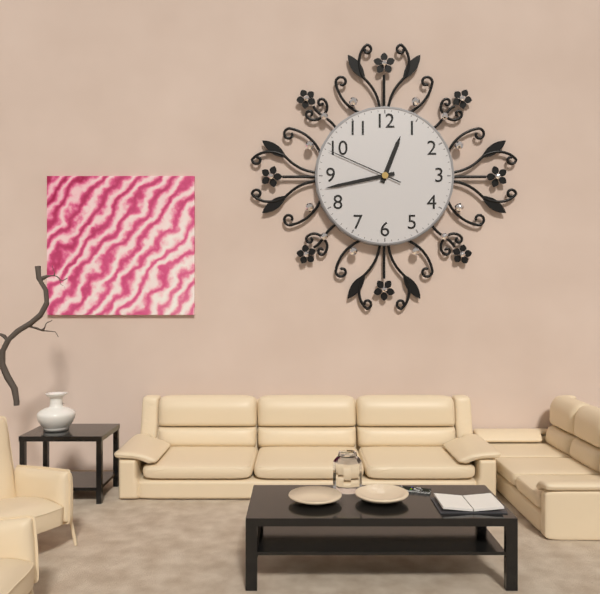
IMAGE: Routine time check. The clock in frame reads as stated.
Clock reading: 12:43:49
